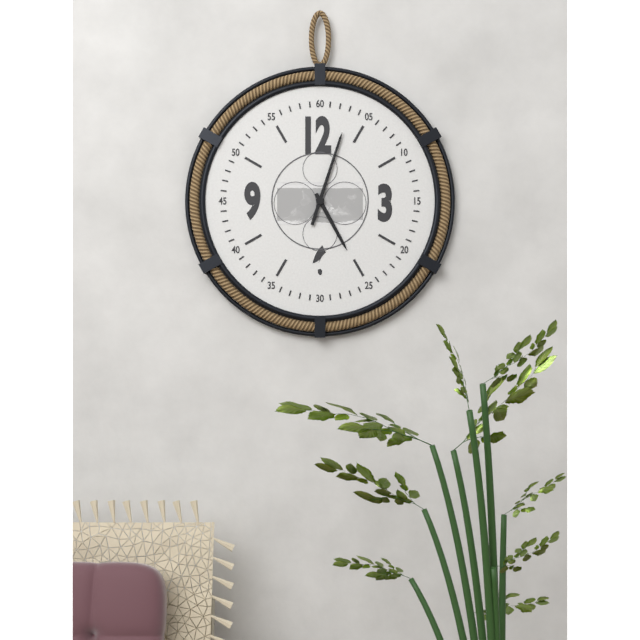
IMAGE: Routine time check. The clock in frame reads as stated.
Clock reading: 5:03
